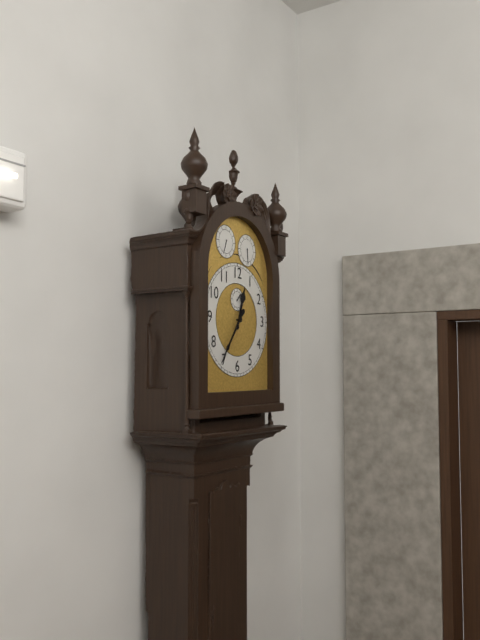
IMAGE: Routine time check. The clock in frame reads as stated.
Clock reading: 12:36
